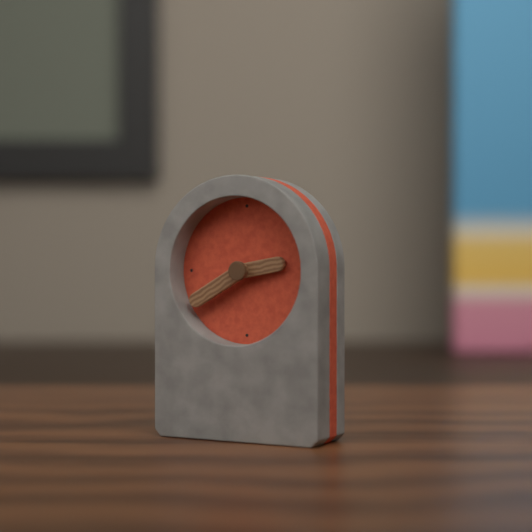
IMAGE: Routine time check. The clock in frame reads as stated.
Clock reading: 2:40
